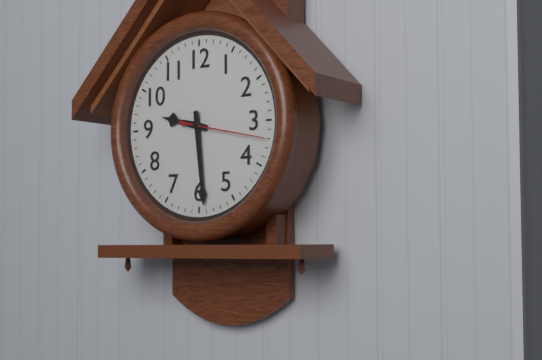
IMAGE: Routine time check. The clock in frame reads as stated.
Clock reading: 9:29
